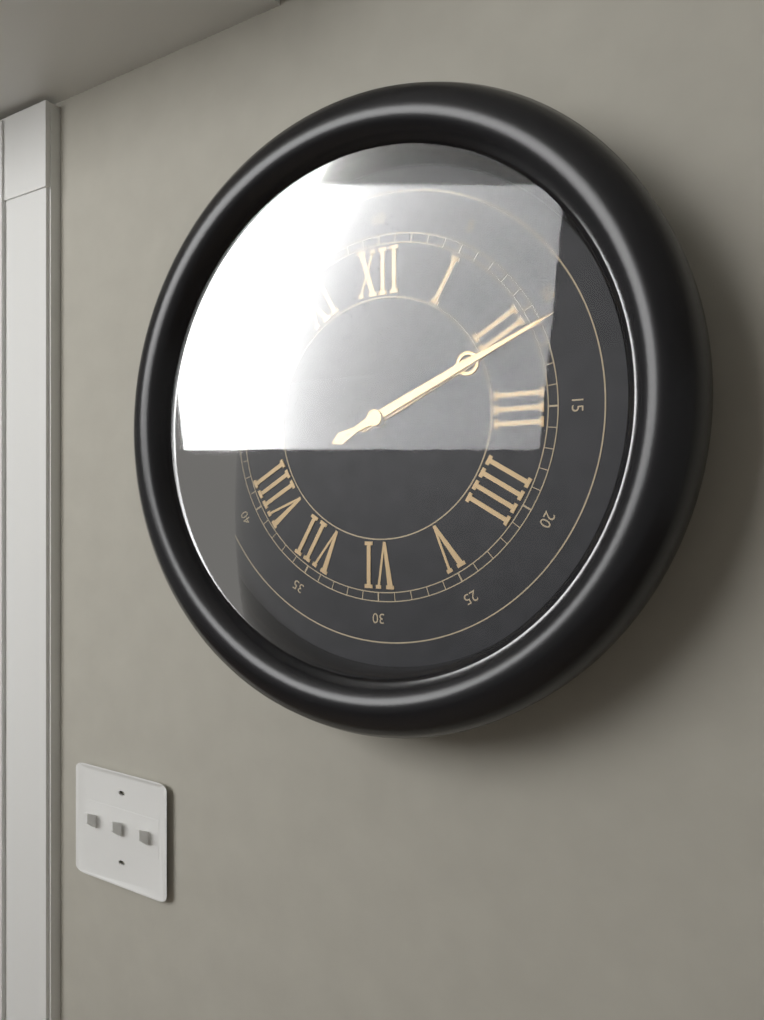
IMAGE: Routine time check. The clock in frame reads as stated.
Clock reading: 2:11
